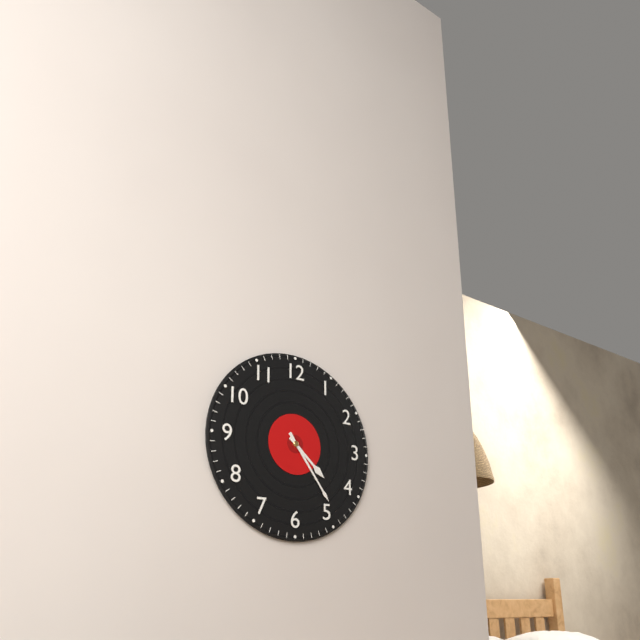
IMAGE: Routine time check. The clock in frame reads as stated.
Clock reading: 4:24
